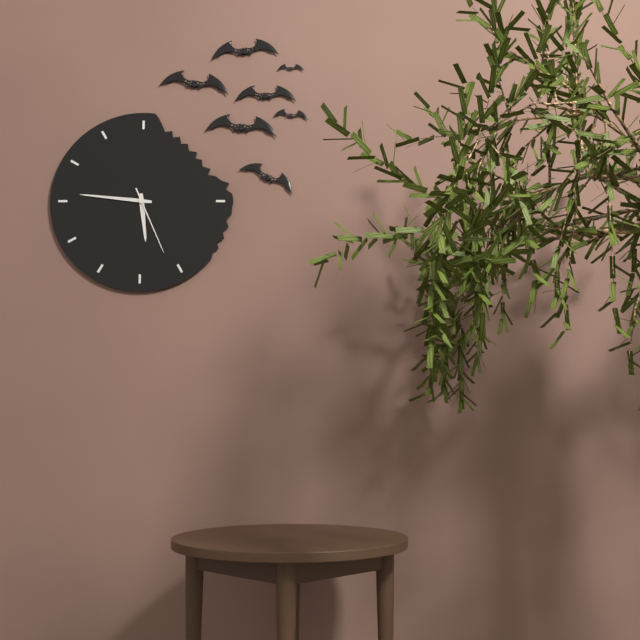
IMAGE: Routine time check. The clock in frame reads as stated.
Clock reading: 5:46:26
